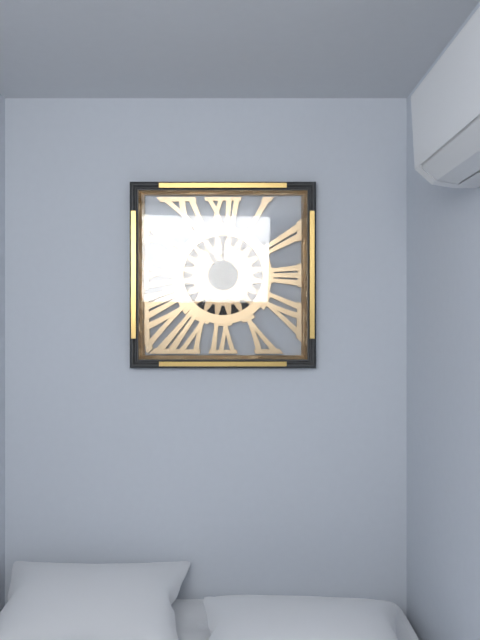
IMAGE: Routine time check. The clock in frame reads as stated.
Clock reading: 11:00
